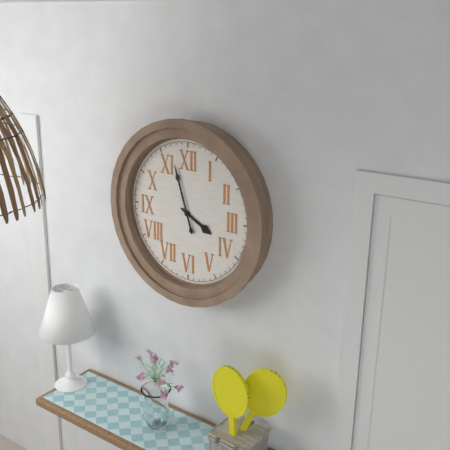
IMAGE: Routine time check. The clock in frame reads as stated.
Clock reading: 3:57
